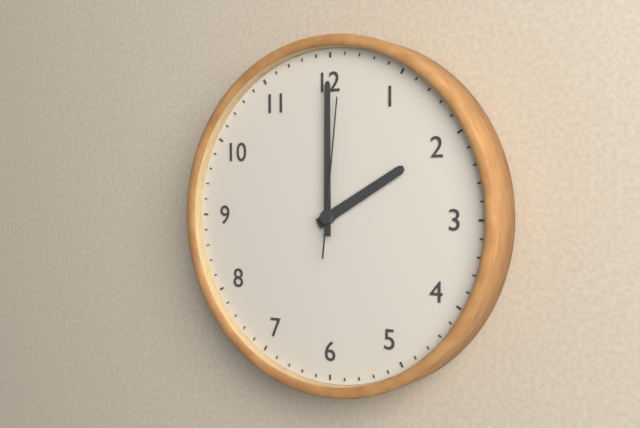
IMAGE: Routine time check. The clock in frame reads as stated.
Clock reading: 2:00:01
